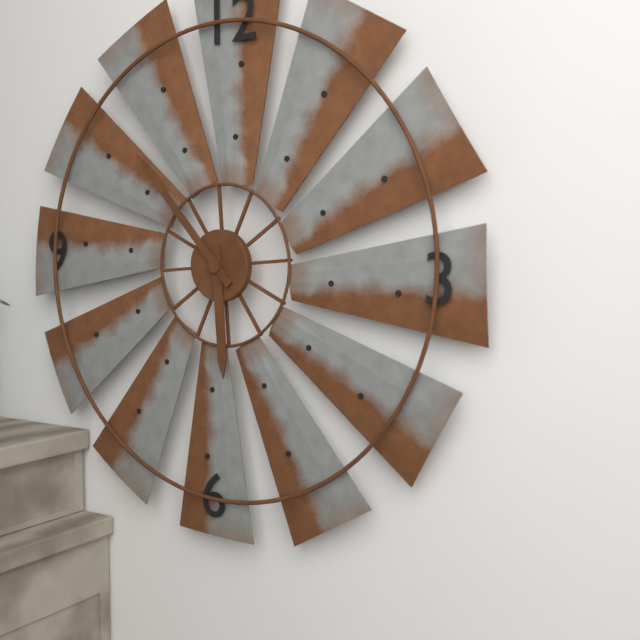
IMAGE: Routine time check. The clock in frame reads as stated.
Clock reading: 5:53
